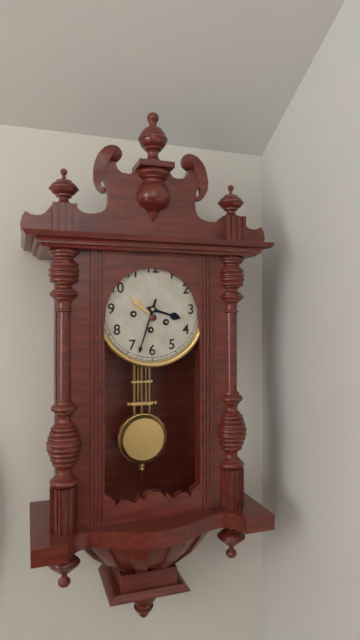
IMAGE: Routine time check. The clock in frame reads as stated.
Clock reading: 3:33
